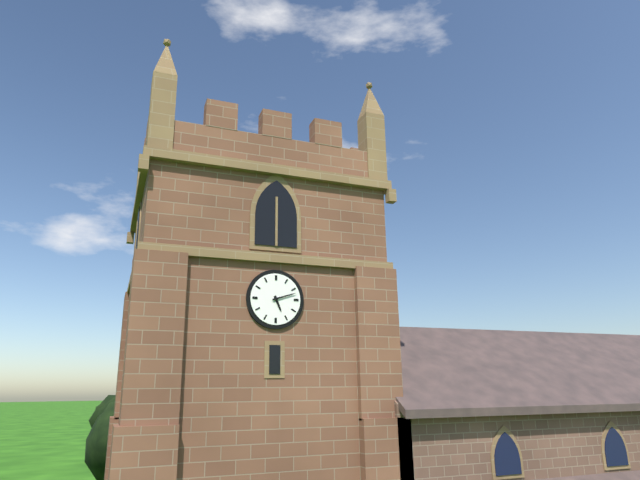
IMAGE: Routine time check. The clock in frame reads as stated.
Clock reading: 5:12
